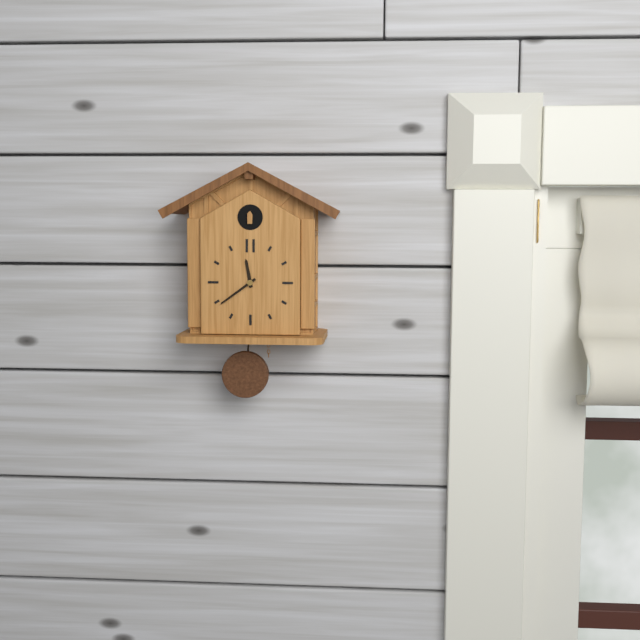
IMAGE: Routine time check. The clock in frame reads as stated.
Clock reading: 11:39
